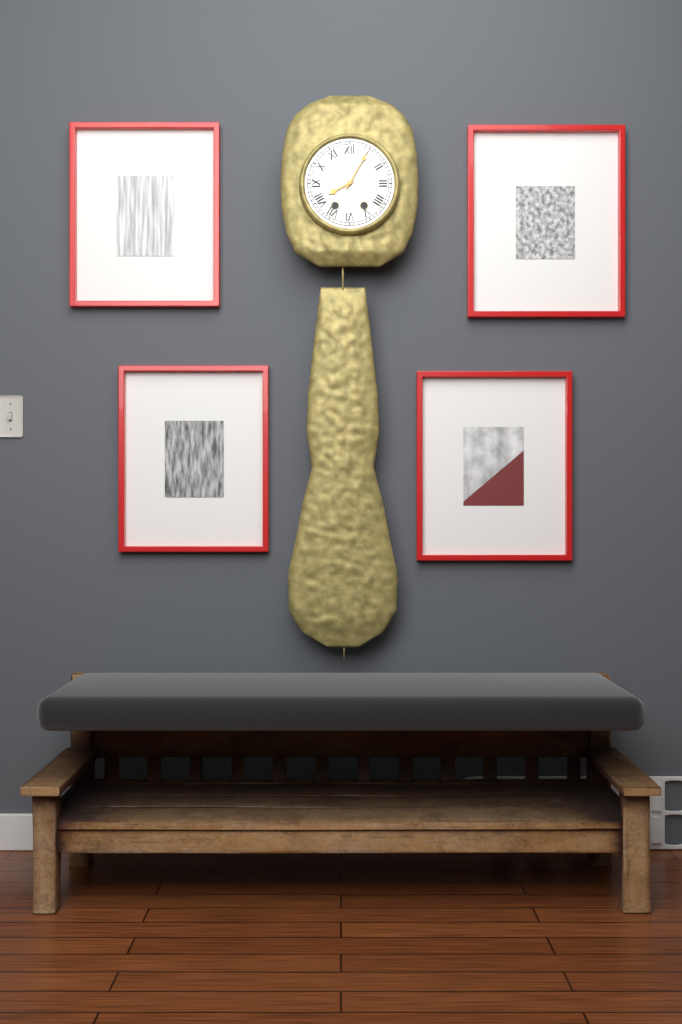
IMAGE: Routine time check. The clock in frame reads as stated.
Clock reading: 8:05
